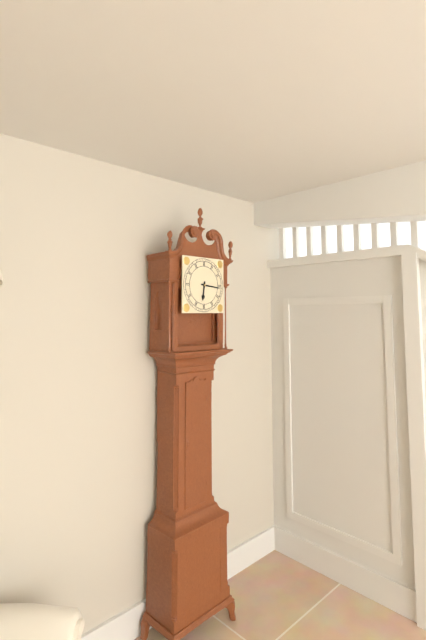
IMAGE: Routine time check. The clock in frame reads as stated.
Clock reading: 6:16
